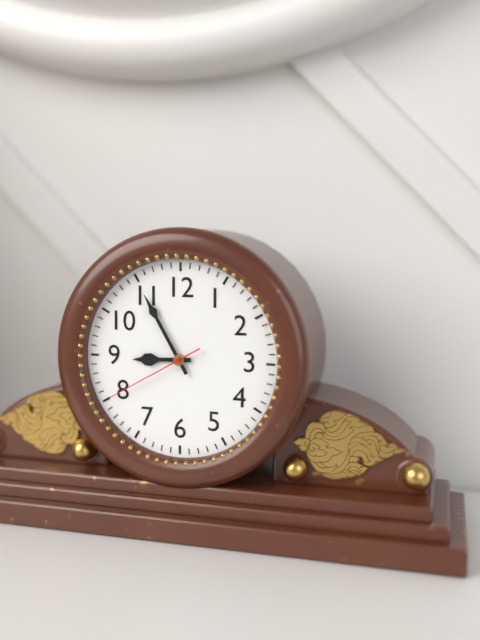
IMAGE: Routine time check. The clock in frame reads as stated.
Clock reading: 8:55:40
